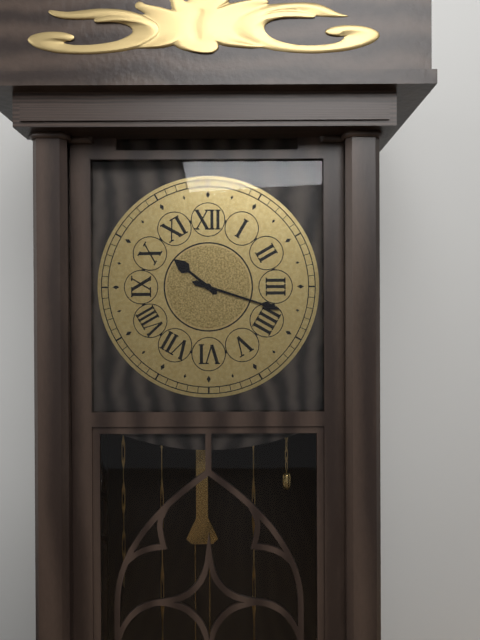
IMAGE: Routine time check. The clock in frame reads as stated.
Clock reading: 10:18
